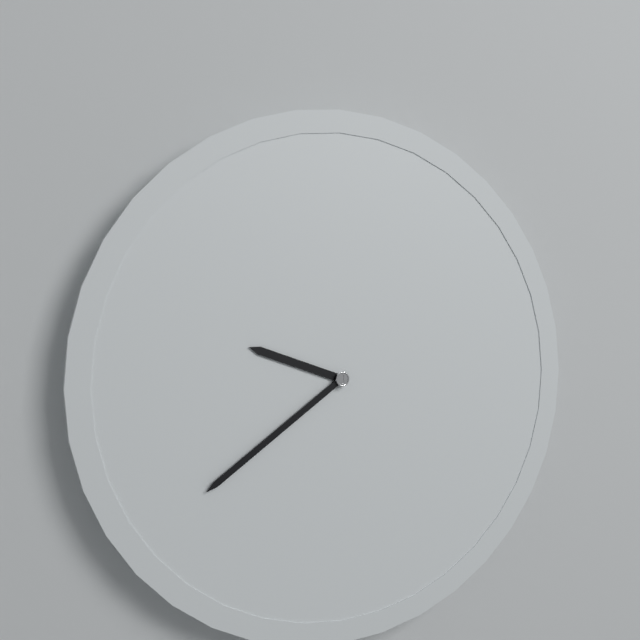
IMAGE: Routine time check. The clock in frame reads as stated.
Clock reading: 9:39
